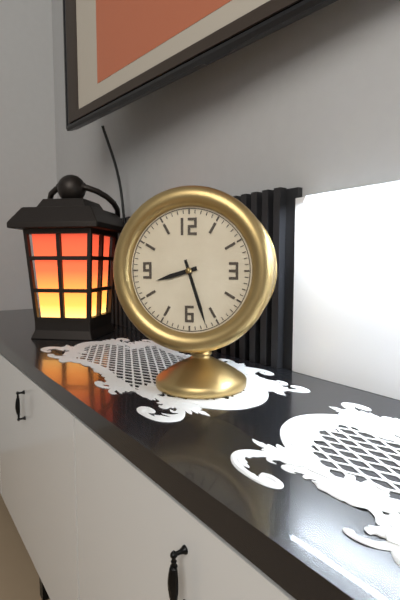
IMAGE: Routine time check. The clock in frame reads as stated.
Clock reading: 8:27
